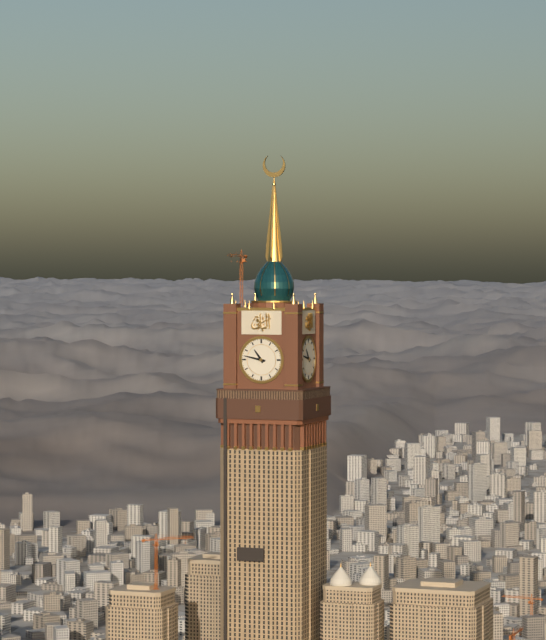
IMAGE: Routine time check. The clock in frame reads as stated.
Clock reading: 10:47
